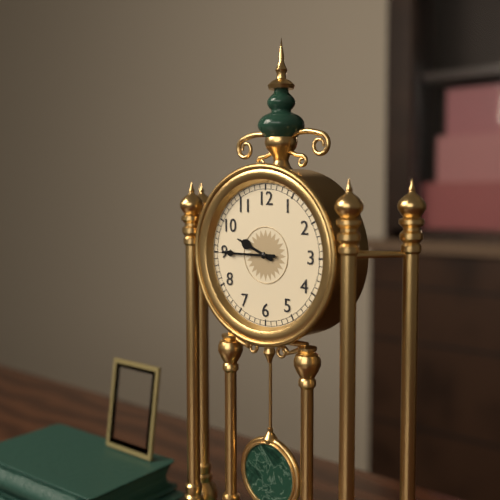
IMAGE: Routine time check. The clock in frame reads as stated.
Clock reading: 9:45
